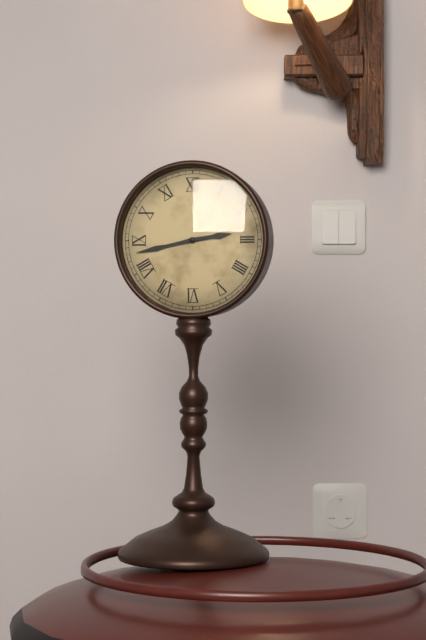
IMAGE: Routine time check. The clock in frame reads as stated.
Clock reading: 2:43
